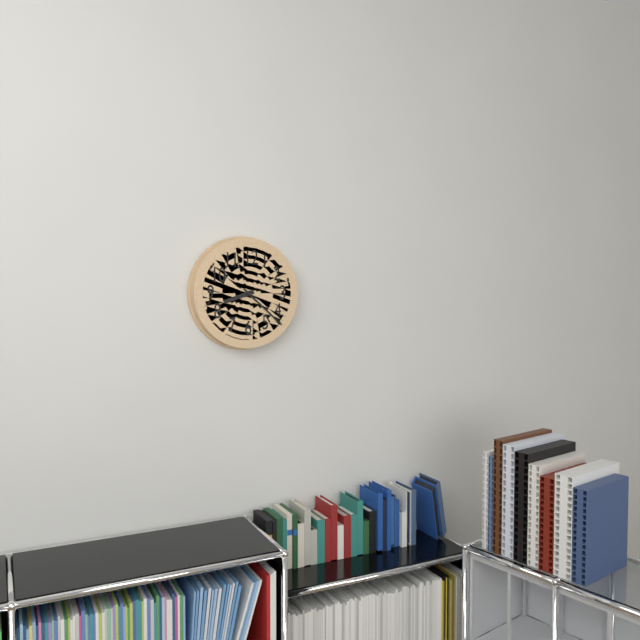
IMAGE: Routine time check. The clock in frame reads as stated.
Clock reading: 8:22
